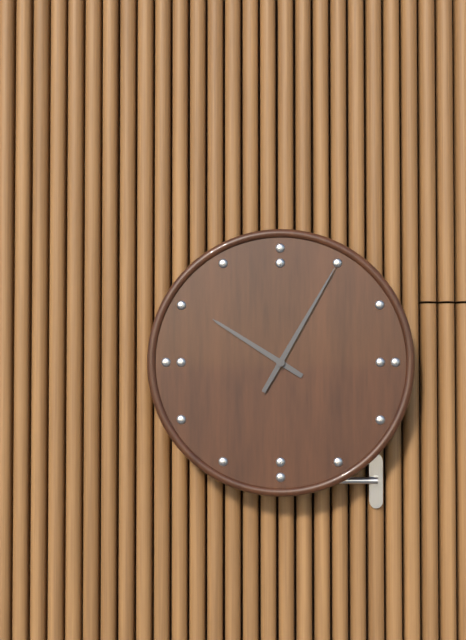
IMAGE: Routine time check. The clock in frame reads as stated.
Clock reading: 10:05
